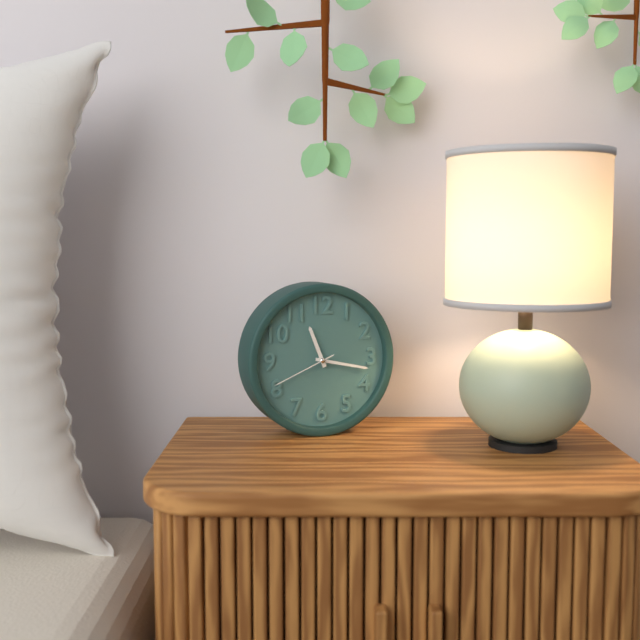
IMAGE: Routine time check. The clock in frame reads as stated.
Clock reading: 11:17:41
